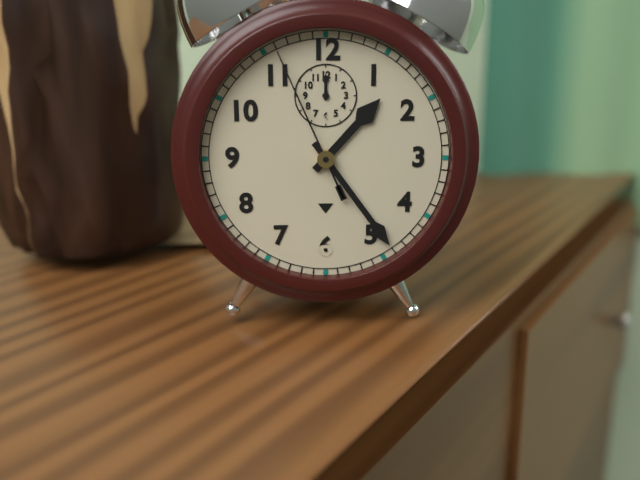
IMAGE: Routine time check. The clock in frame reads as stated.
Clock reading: 1:24:56
